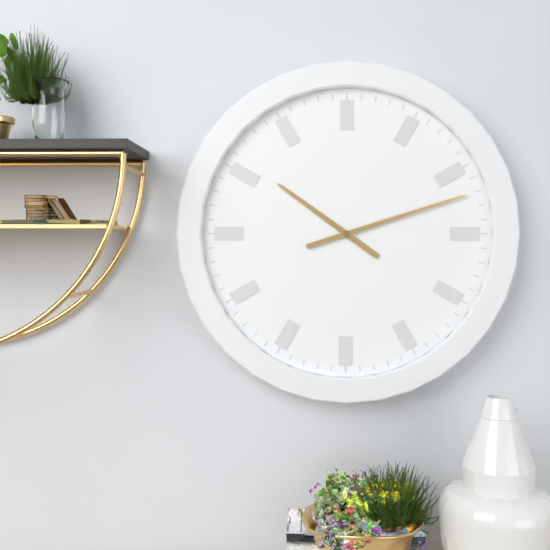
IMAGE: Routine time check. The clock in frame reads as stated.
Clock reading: 10:12
